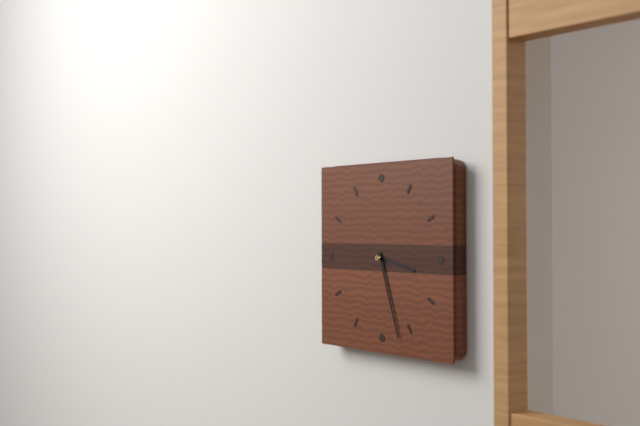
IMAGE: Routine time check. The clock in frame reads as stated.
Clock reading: 3:27
